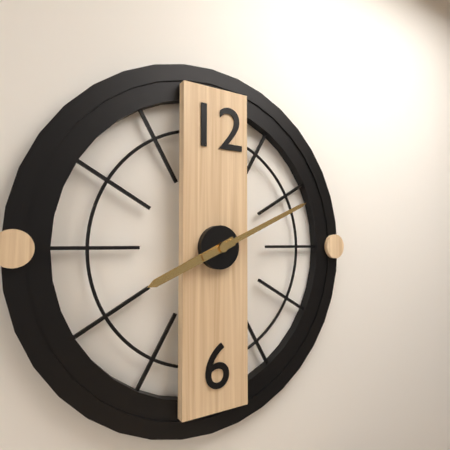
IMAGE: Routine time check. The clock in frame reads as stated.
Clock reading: 8:11
